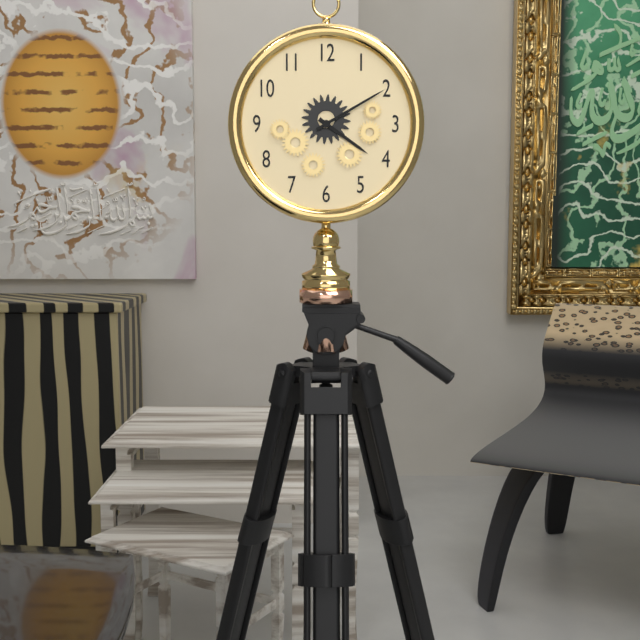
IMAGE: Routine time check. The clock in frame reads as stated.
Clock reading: 4:10
